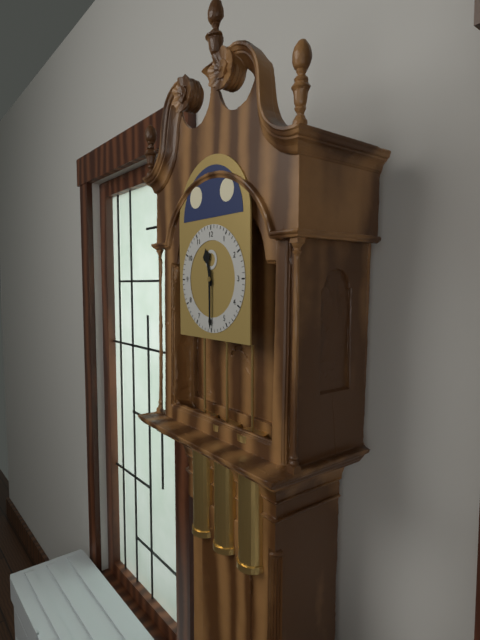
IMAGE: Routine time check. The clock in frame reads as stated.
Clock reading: 11:30
